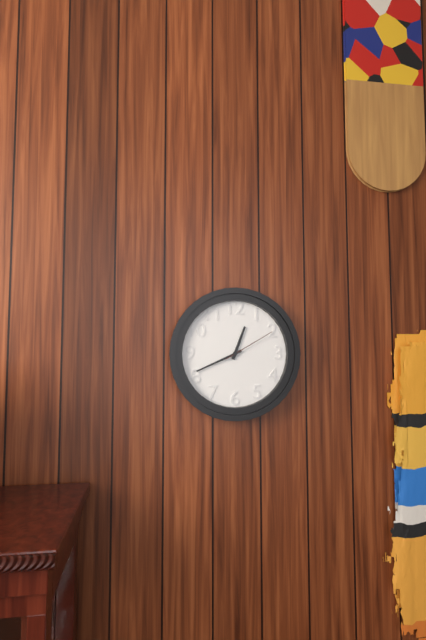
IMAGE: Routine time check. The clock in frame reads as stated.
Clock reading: 12:41:10
